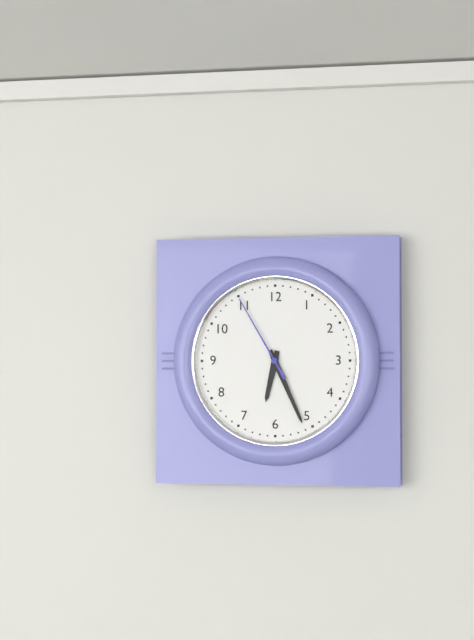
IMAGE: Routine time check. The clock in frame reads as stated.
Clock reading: 6:26:55
